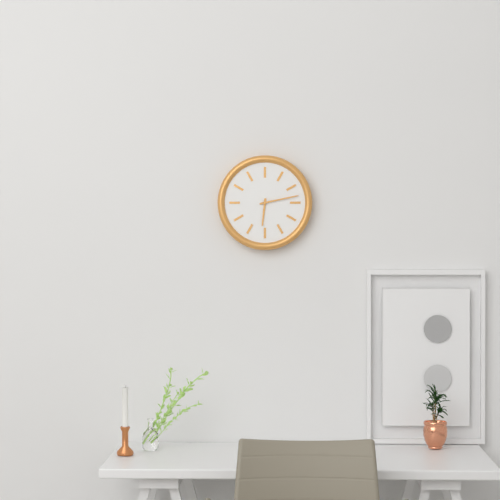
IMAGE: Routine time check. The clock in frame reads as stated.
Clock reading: 6:13
